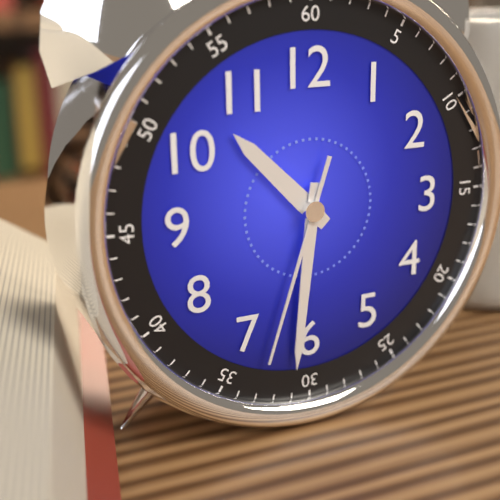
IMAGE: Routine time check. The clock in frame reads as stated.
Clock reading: 10:31:33
